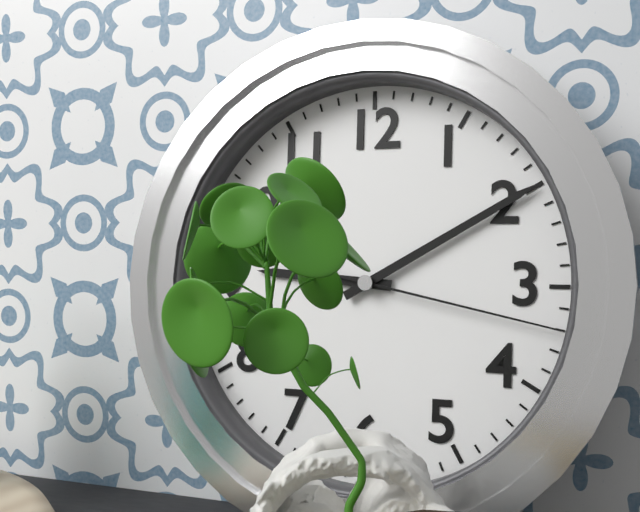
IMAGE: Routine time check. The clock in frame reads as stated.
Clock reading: 9:10:17
